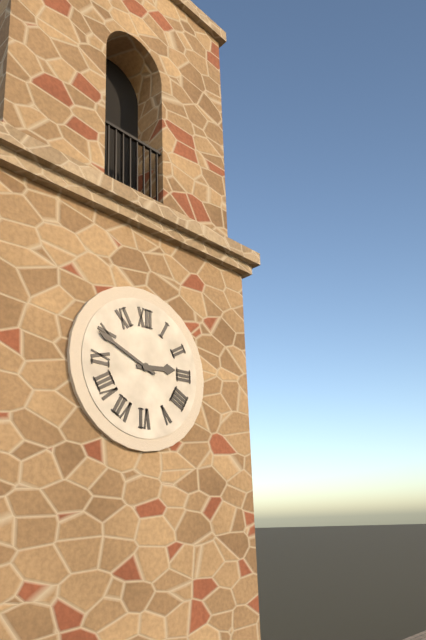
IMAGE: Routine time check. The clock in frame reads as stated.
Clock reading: 2:49
